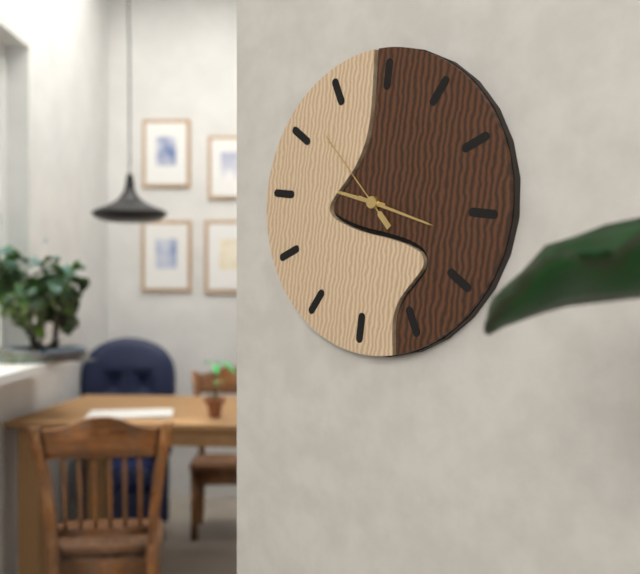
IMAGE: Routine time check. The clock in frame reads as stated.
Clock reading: 9:17:52
